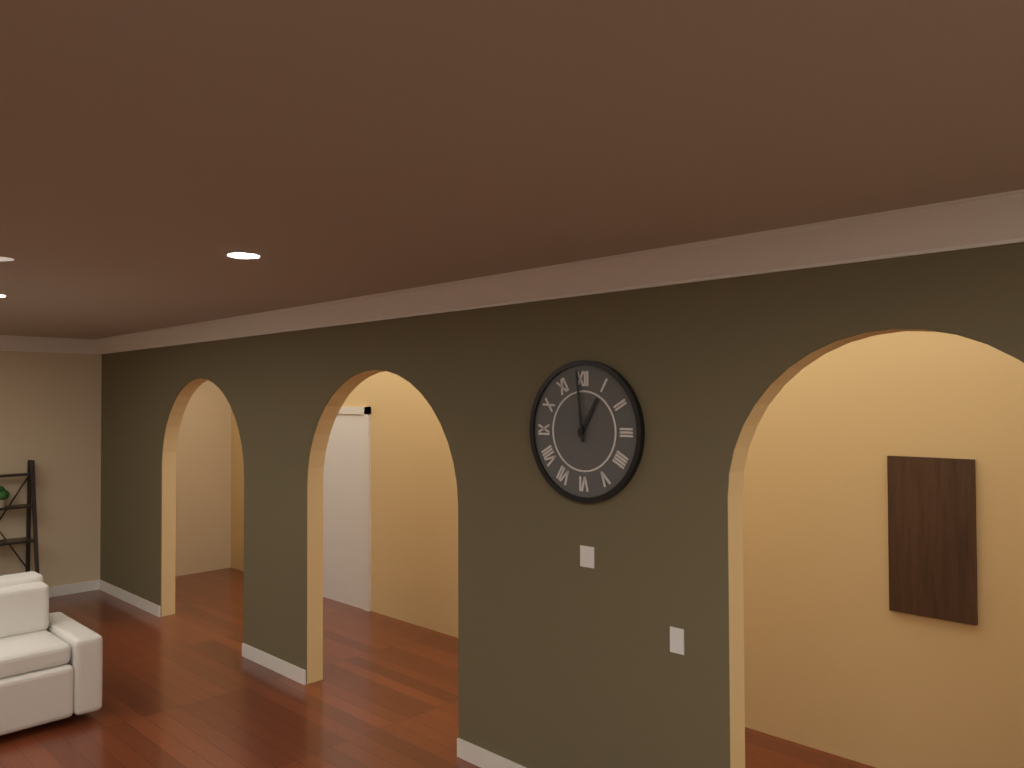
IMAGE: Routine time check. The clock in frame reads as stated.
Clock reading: 12:59
